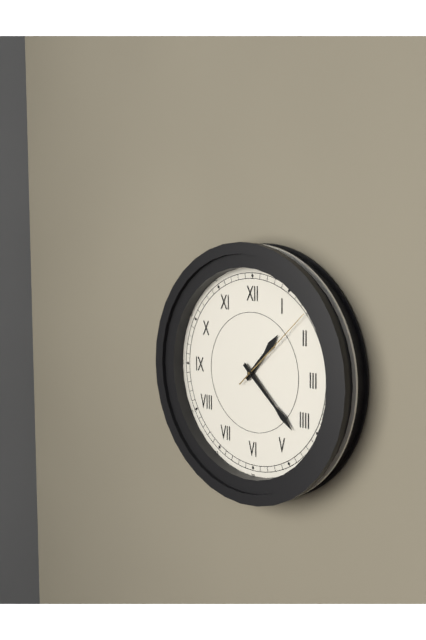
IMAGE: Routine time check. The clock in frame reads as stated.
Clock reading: 1:22:08
